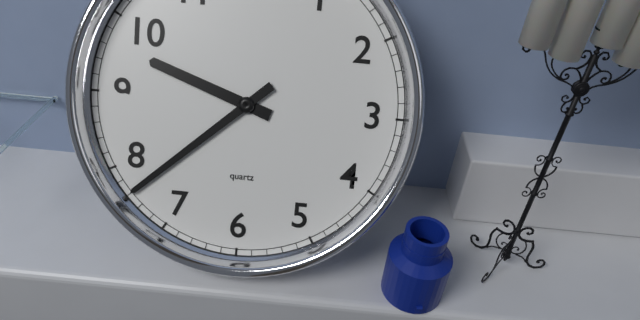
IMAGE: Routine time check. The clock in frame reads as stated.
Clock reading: 9:38
